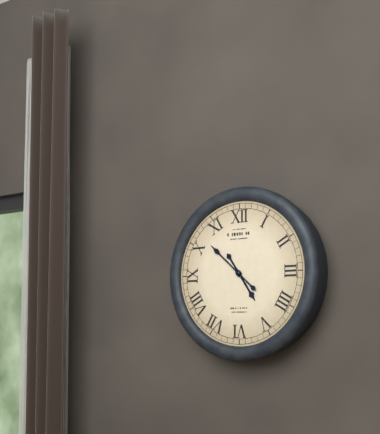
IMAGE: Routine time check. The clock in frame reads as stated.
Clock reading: 4:52
